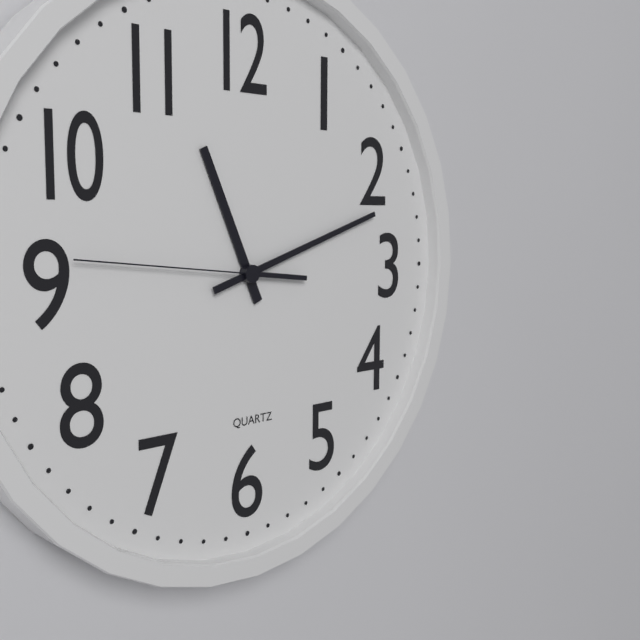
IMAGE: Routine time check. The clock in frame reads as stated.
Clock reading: 11:12:46
